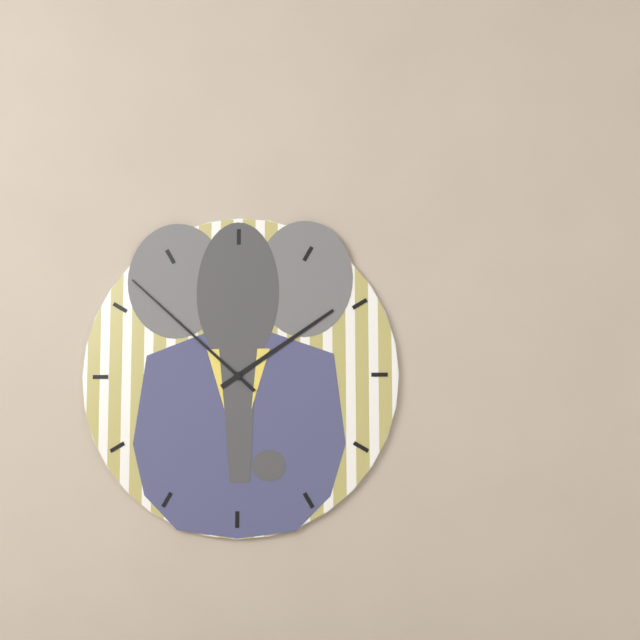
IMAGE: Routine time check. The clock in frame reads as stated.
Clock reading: 1:52
